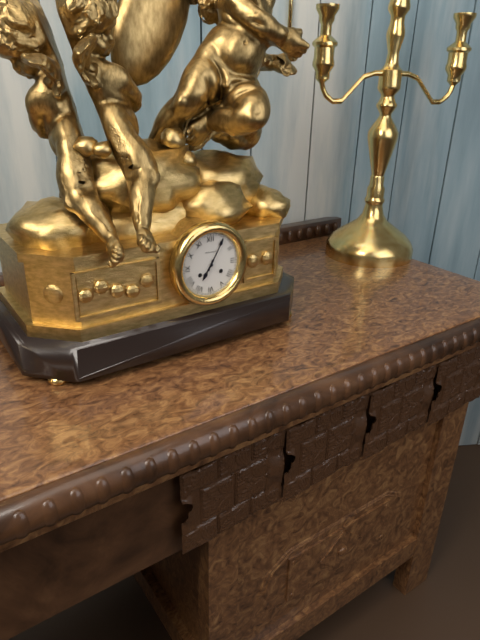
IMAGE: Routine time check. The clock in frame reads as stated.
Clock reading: 7:05
